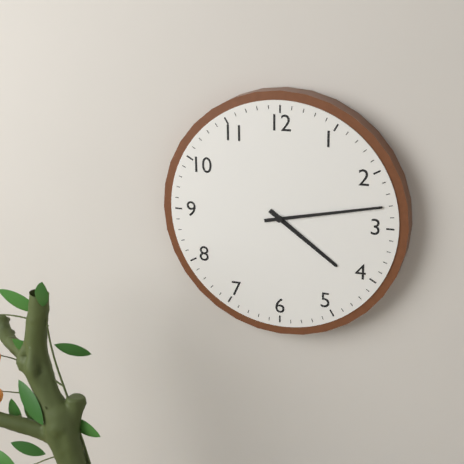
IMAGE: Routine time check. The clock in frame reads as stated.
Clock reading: 4:13
